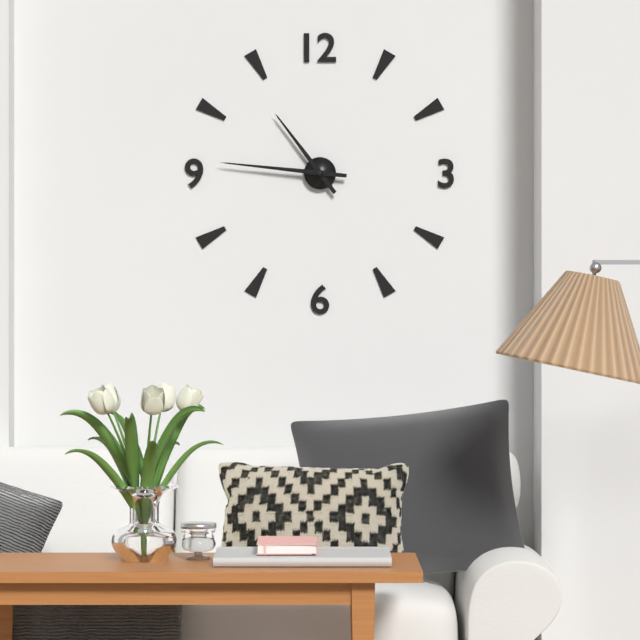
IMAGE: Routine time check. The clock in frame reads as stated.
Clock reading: 10:46
